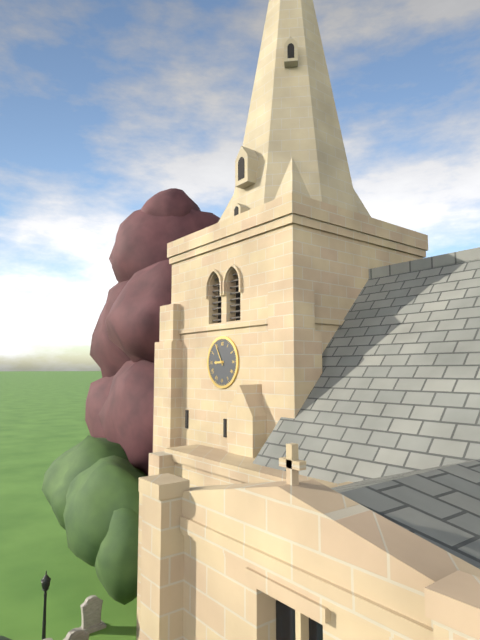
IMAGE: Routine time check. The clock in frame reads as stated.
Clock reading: 8:55
